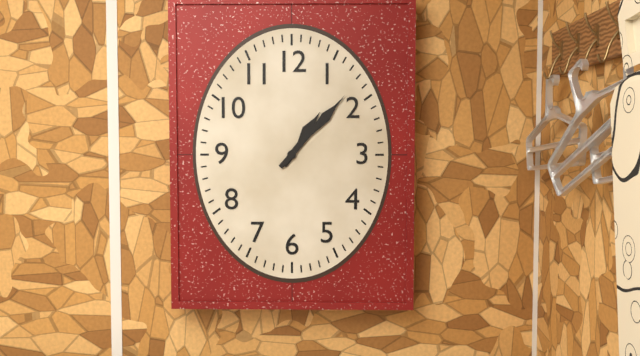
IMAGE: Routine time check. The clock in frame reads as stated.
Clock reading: 1:07
